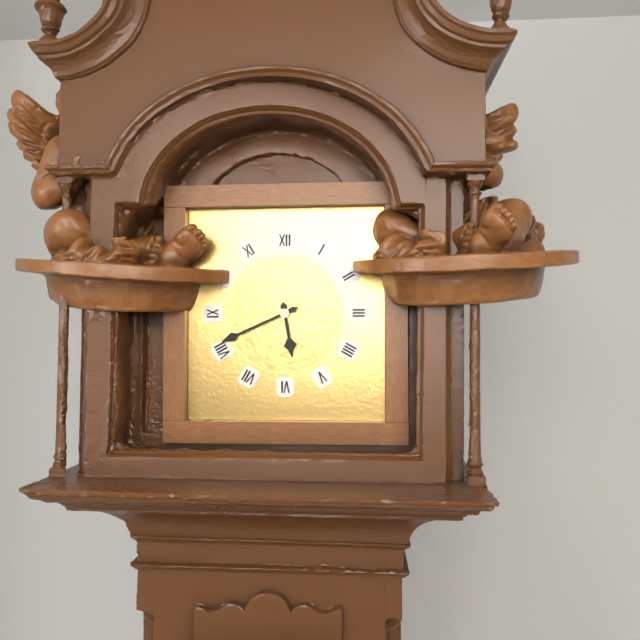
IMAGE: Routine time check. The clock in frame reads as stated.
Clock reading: 5:41
